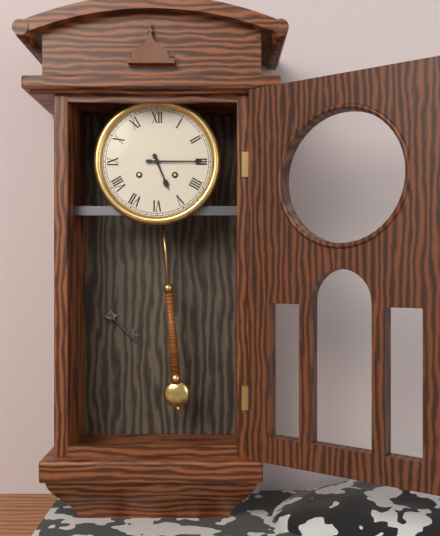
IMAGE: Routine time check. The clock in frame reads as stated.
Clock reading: 5:15
